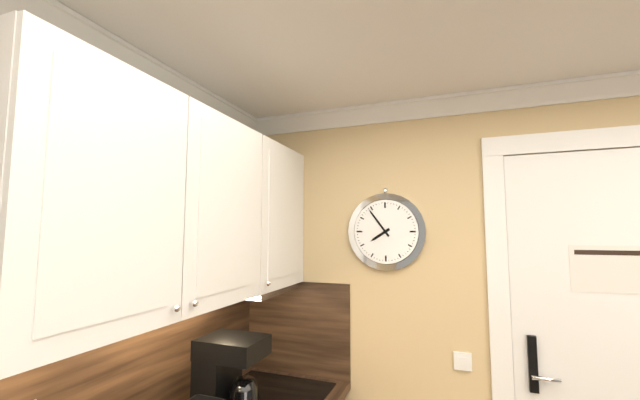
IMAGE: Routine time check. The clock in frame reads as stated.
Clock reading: 7:54
